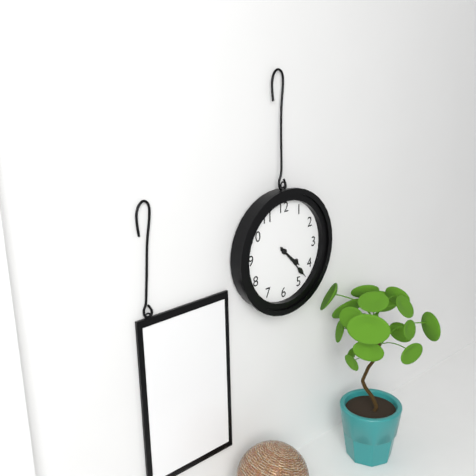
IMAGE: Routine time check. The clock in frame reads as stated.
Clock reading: 4:23
